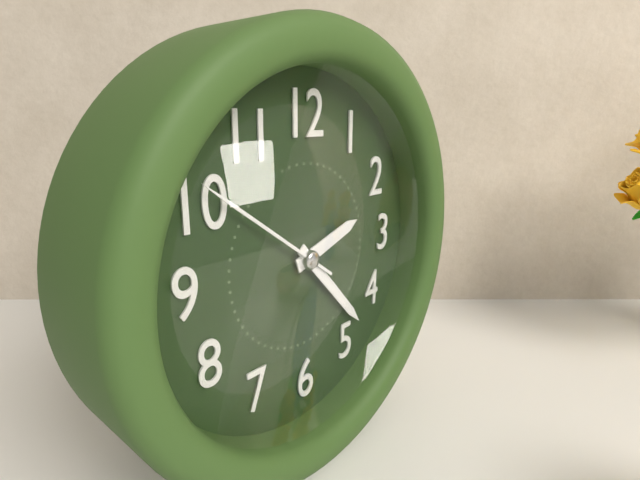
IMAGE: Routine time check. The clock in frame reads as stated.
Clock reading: 2:23:51
